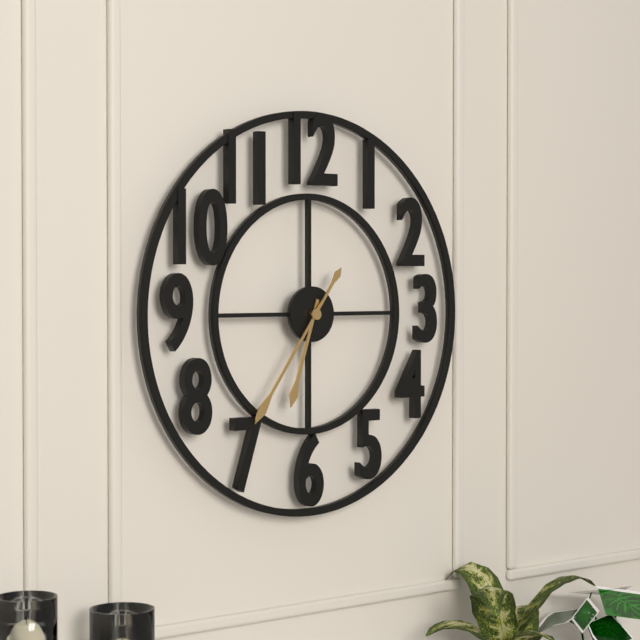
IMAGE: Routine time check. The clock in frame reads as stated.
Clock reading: 6:36
